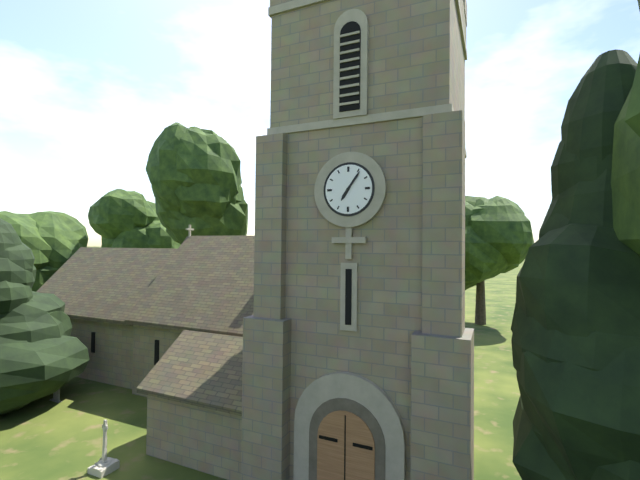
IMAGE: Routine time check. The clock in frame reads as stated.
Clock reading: 7:06
